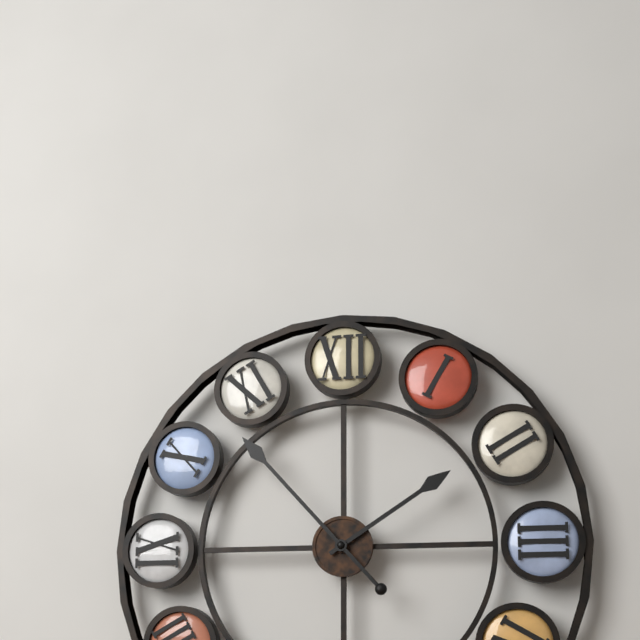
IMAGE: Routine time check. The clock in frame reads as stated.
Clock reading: 1:53
